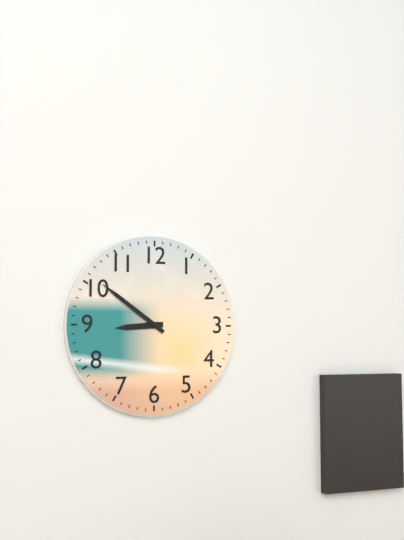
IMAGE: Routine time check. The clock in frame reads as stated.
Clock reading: 8:51
